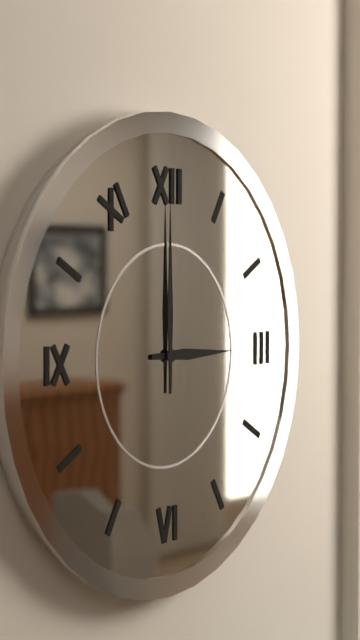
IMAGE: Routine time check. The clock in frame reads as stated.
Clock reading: 3:00
